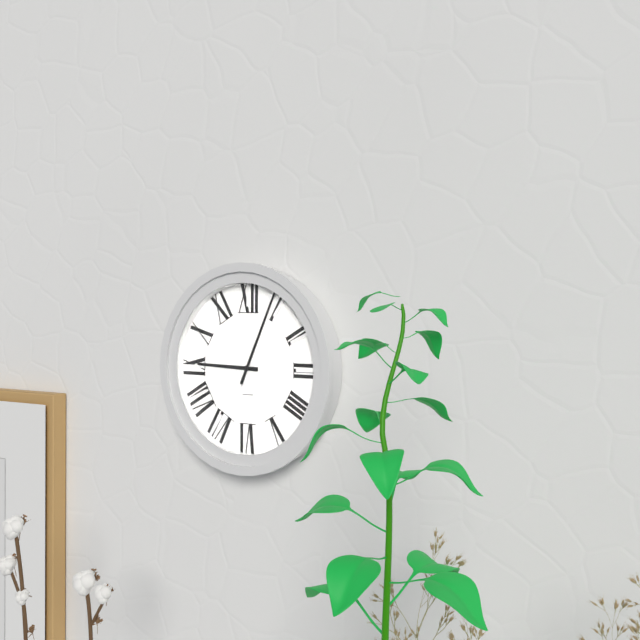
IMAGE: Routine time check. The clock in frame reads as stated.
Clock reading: 9:04
